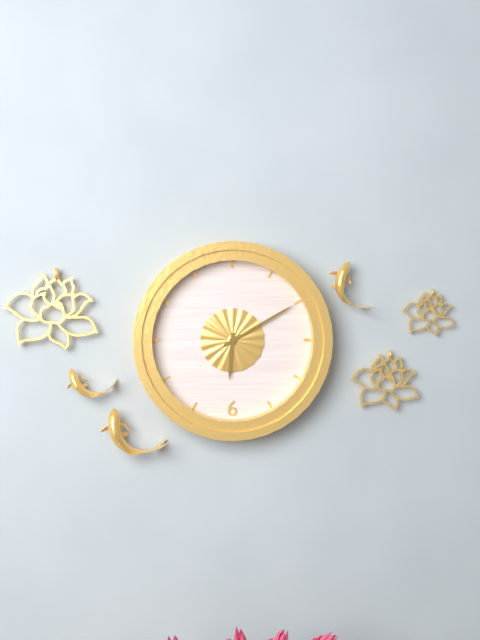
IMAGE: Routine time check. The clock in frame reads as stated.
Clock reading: 6:10
